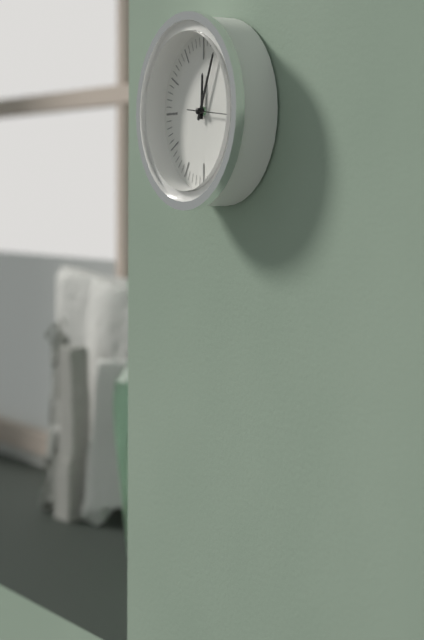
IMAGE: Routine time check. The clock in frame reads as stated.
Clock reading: 12:04
